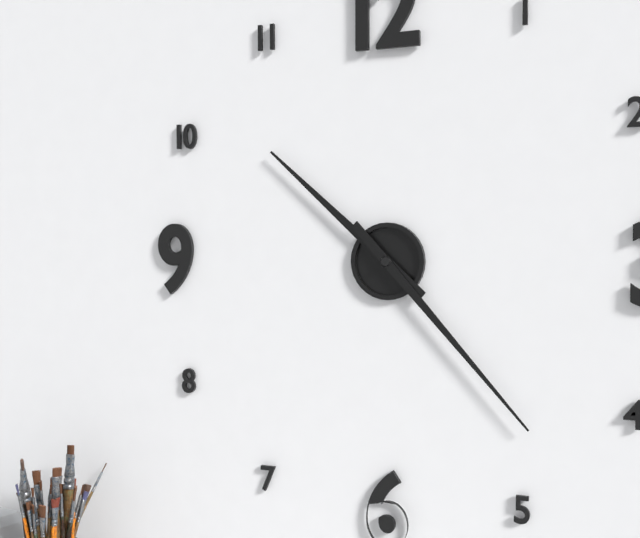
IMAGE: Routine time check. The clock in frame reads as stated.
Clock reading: 10:23
